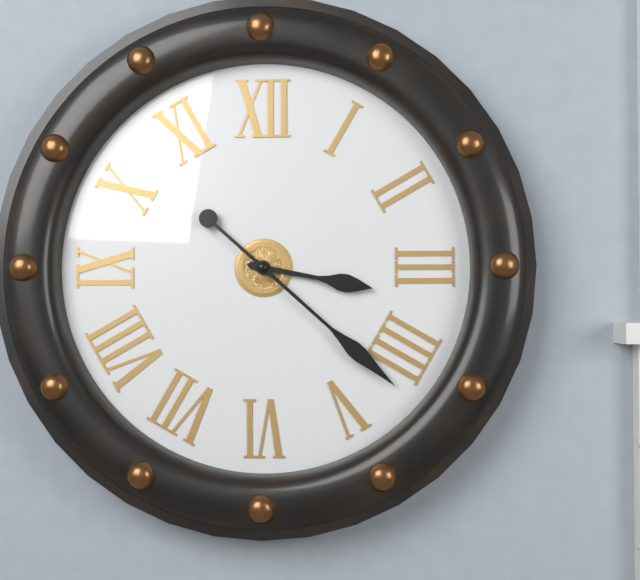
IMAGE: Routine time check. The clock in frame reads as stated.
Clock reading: 3:22
